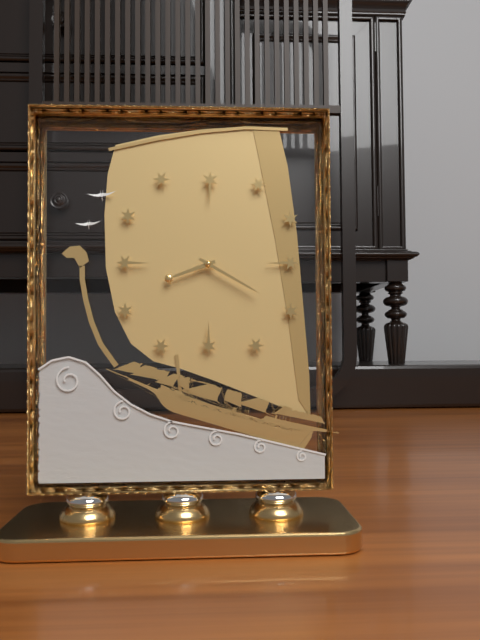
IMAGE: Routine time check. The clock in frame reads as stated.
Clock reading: 8:20
